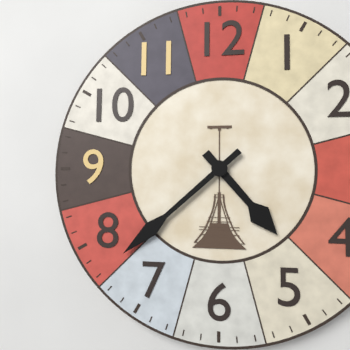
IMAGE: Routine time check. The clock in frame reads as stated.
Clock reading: 4:38
